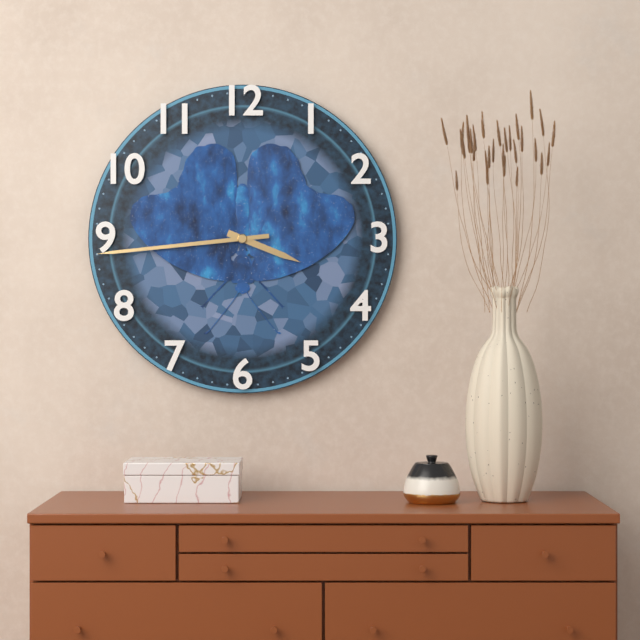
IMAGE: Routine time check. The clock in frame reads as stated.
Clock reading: 3:44
